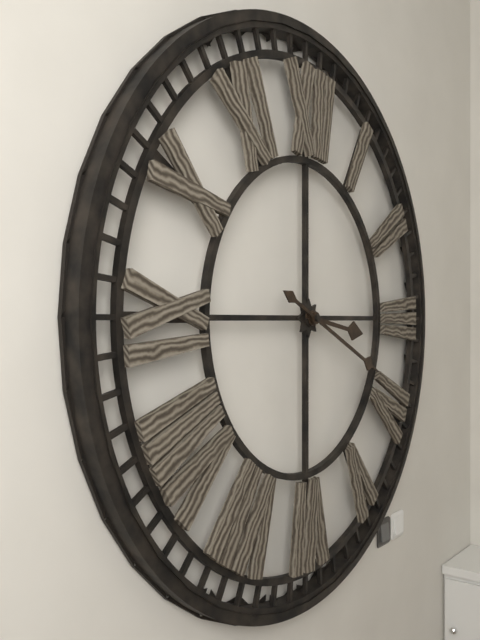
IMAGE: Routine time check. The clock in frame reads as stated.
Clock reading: 3:19
